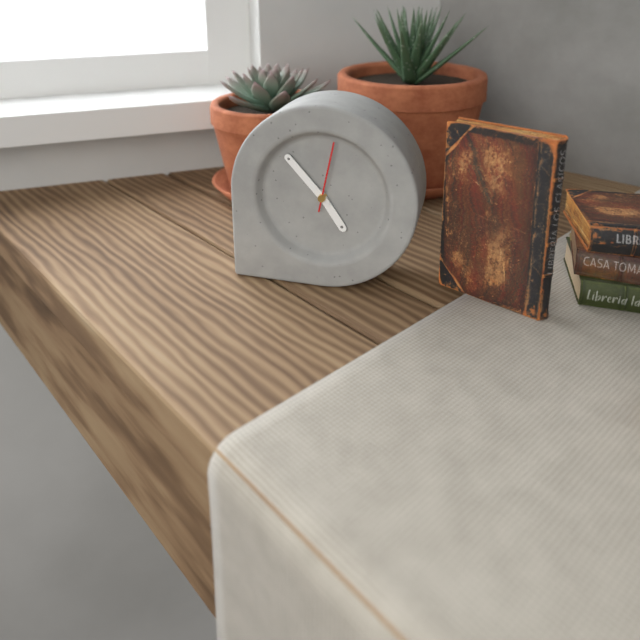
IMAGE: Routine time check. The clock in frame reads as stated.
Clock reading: 4:53:02
